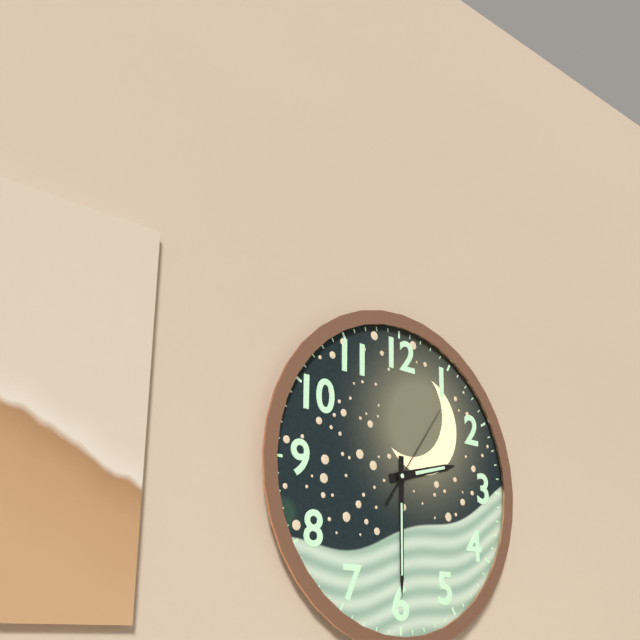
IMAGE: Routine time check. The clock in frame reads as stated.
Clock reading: 2:30:06
